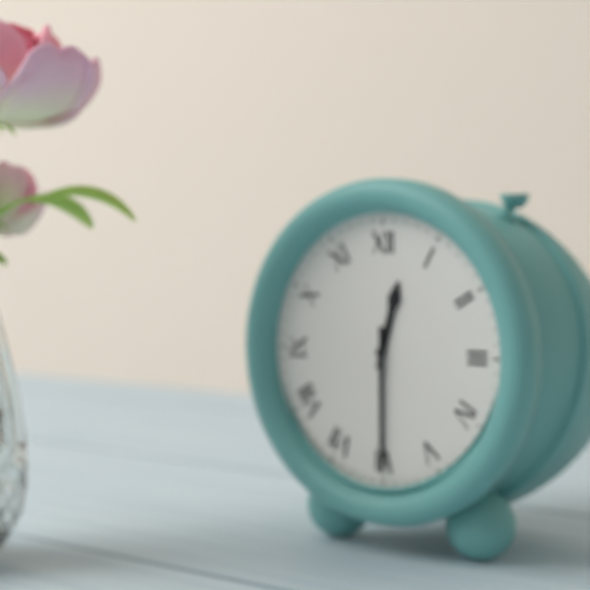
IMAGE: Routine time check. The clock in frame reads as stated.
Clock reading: 12:30
